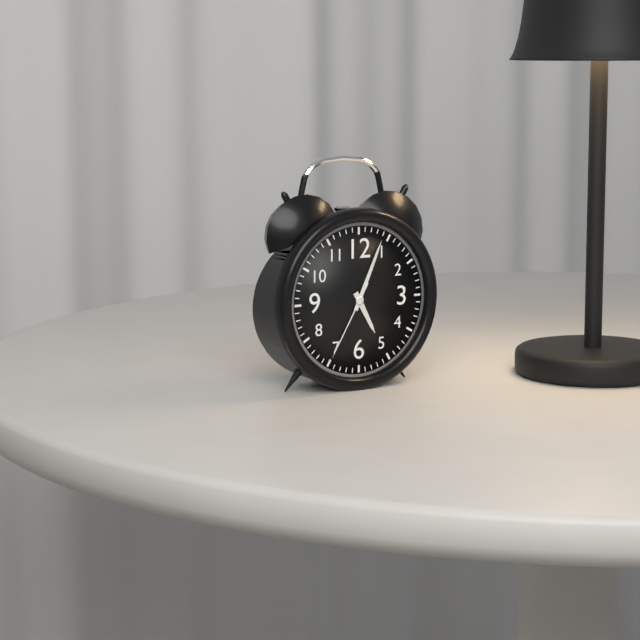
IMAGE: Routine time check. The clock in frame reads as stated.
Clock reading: 5:04:35
